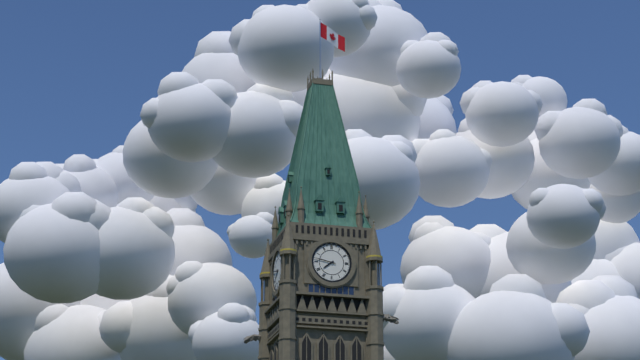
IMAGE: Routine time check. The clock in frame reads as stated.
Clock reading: 7:47
